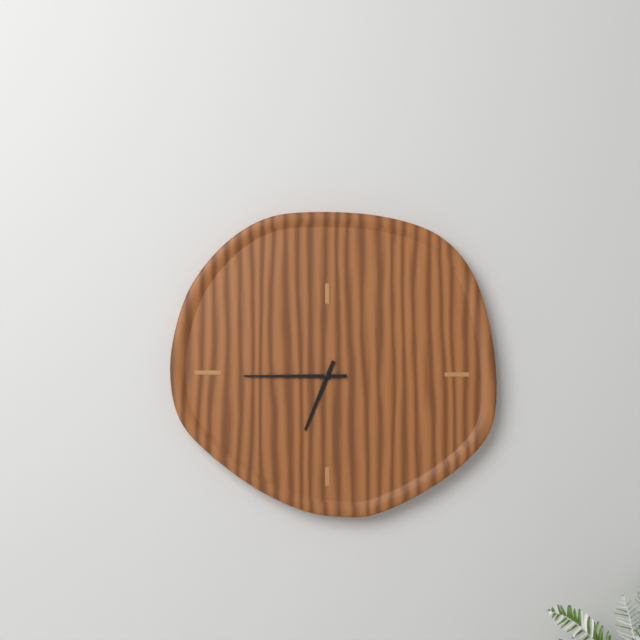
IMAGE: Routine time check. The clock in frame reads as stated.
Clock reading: 6:45
